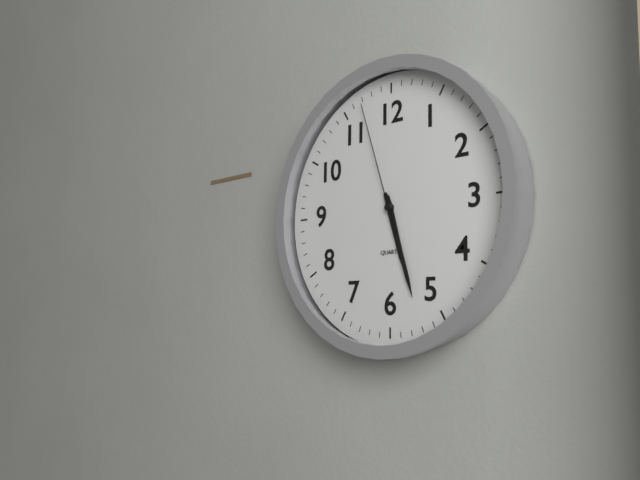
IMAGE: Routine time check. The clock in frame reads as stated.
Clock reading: 5:27:57
